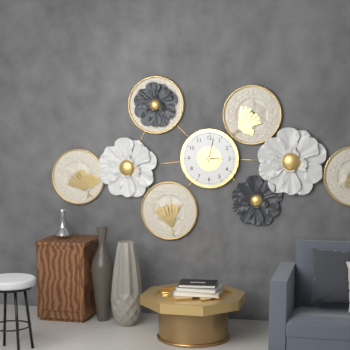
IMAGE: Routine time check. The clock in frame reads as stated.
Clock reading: 3:02
